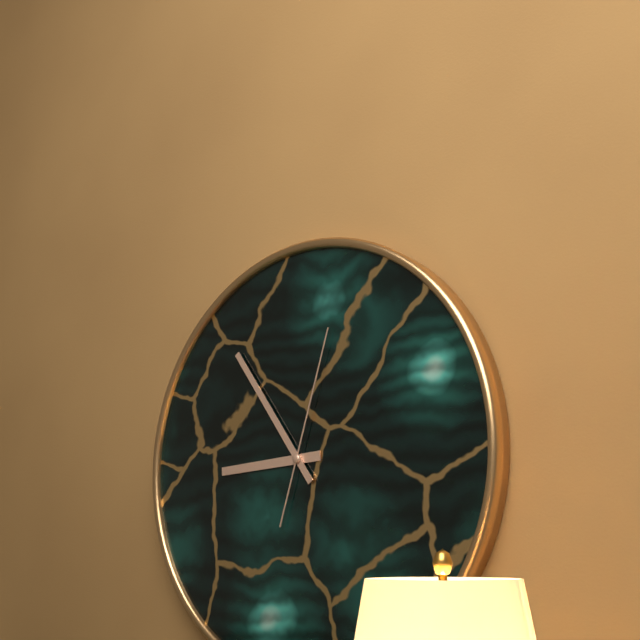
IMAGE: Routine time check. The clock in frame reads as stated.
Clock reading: 8:54:03
